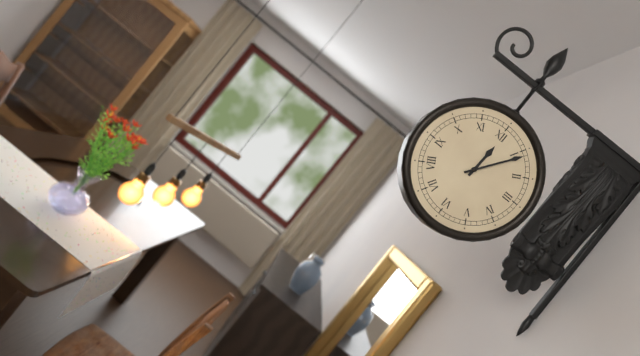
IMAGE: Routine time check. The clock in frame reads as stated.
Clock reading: 12:06
